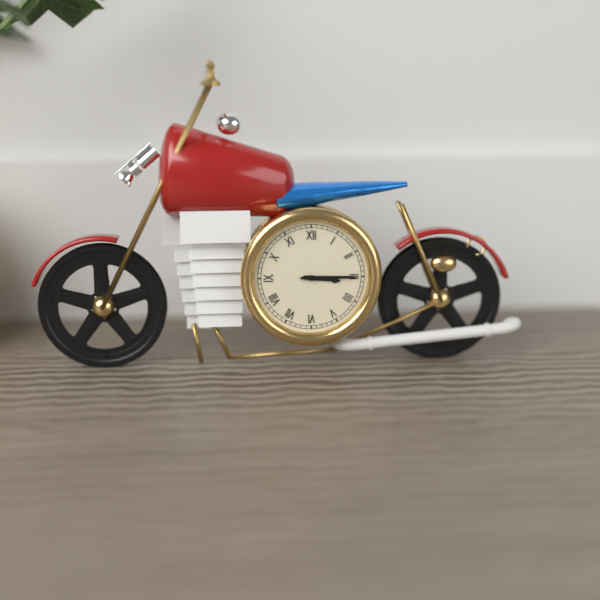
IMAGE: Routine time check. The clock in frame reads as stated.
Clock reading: 3:15
